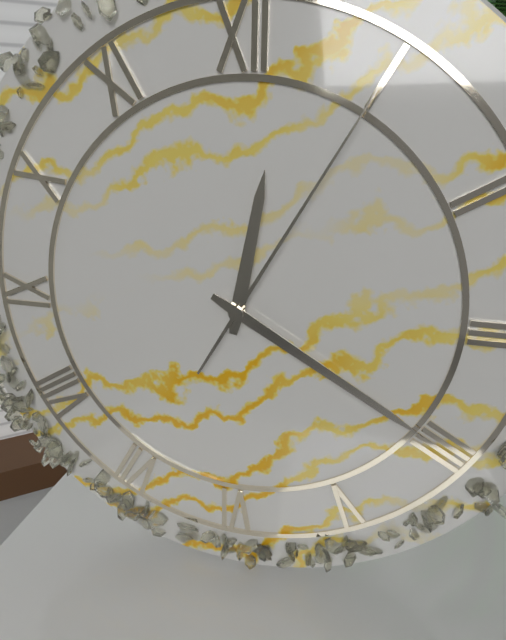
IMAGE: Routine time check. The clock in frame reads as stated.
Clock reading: 12:20:05
